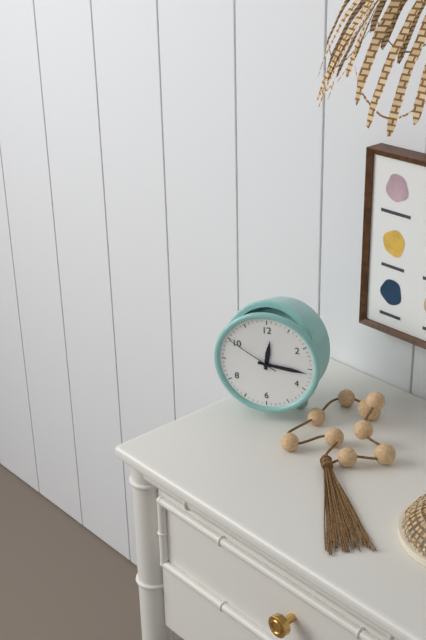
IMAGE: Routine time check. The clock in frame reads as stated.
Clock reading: 12:16:50
